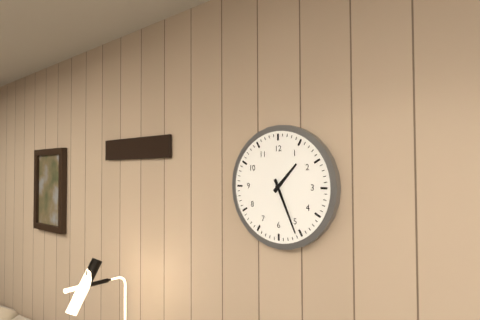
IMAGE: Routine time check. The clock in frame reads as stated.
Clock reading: 1:26
